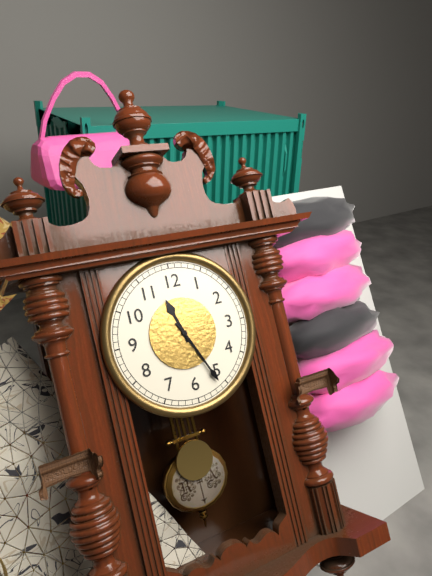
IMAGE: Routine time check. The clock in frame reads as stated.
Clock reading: 11:26
